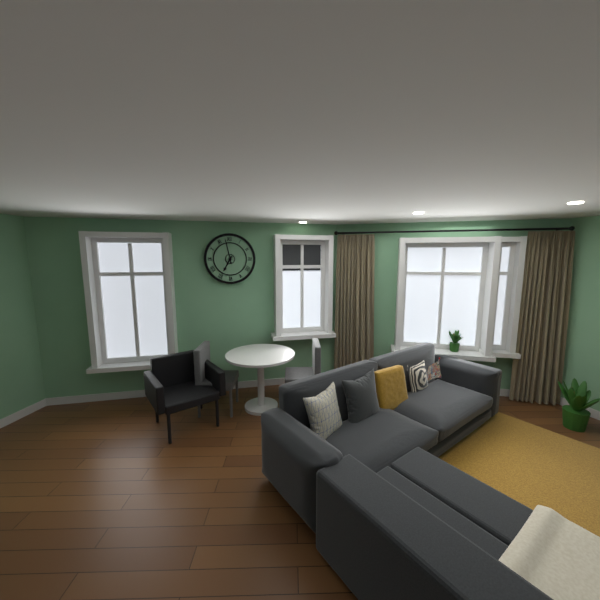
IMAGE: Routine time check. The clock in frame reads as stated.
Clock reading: 6:58
